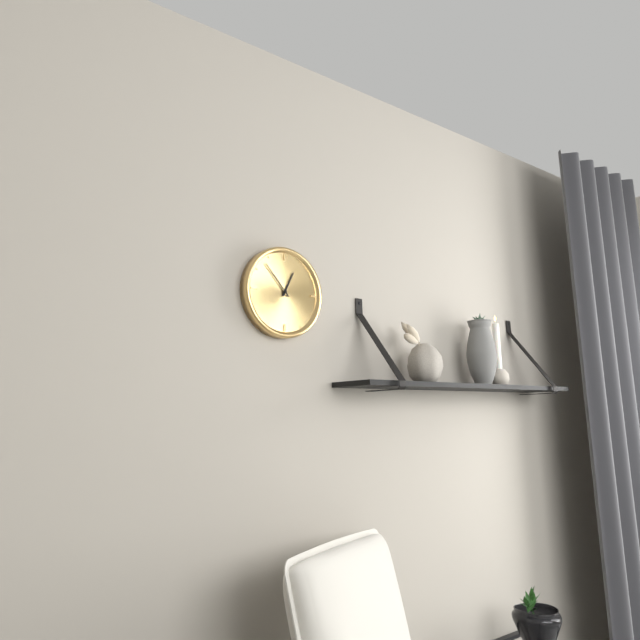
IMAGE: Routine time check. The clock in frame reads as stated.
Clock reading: 12:53
